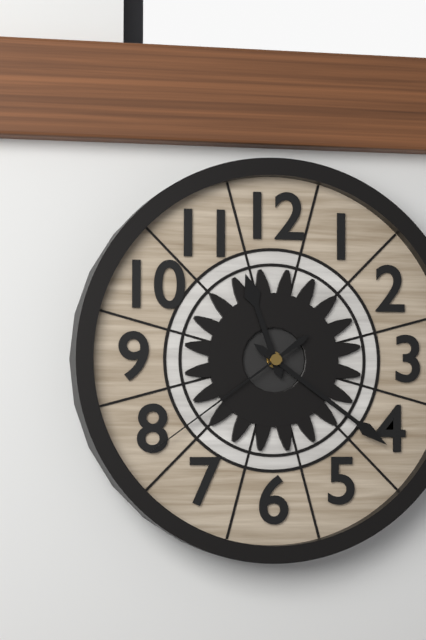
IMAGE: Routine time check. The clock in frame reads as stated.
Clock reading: 11:21:39
